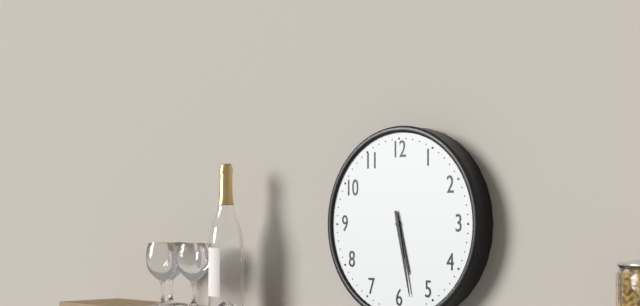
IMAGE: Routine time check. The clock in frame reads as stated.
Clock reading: 5:28
